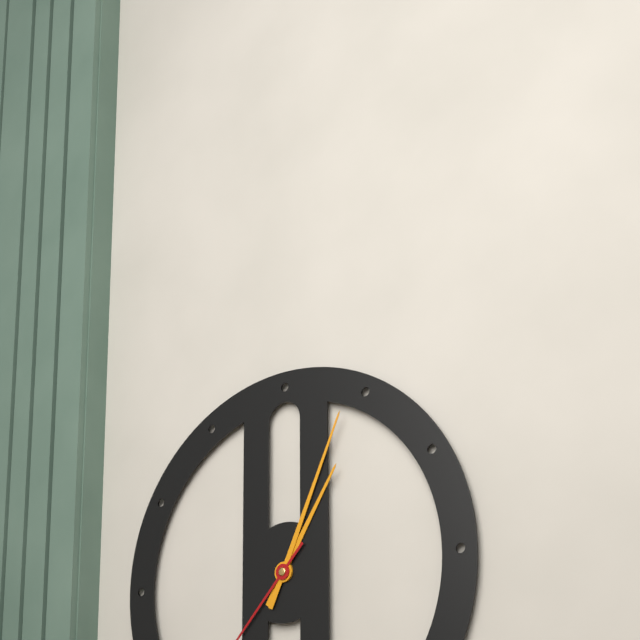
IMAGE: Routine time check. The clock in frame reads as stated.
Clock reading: 1:04
